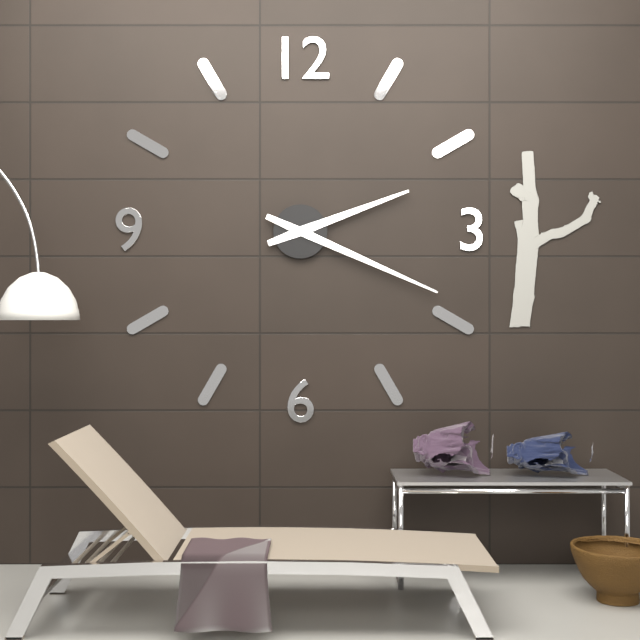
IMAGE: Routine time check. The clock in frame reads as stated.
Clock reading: 2:19
